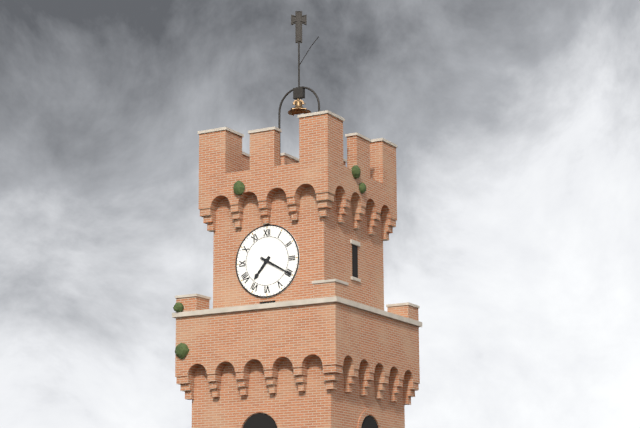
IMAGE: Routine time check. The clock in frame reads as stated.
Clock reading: 7:20
